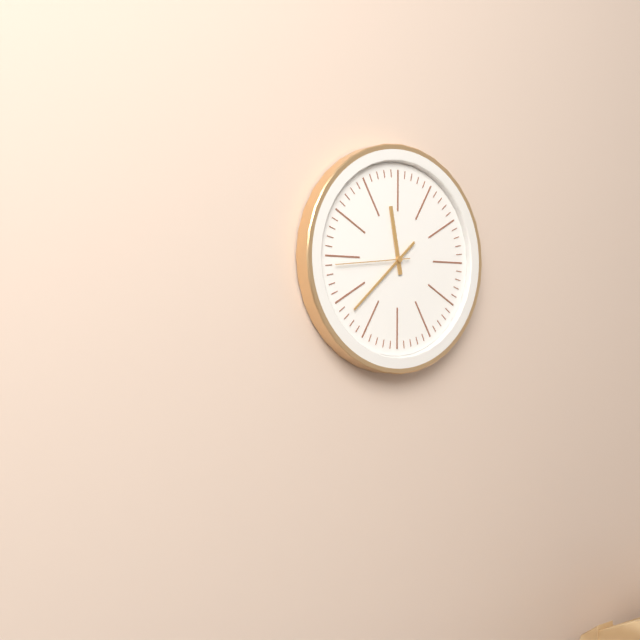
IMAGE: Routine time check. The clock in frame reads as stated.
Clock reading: 11:38:44
